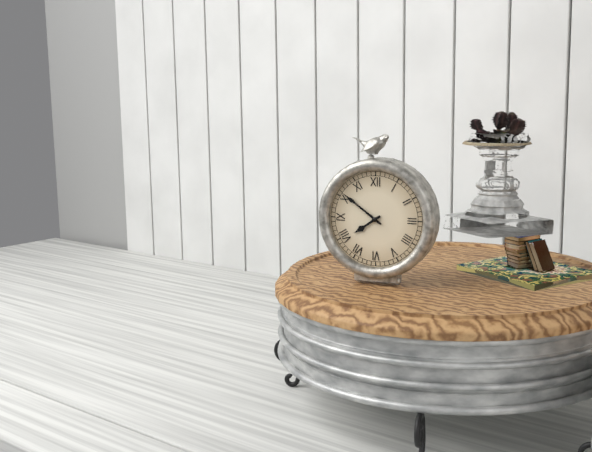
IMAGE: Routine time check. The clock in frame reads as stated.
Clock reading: 7:51
